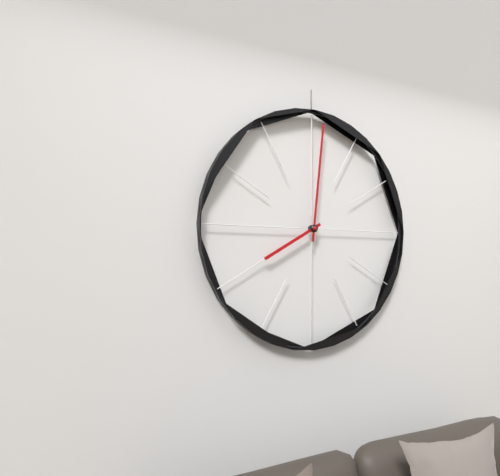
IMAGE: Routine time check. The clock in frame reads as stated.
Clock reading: 8:01
